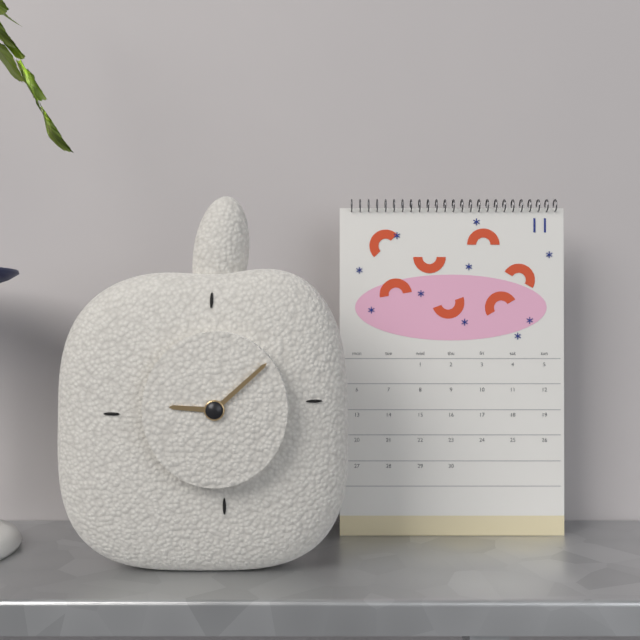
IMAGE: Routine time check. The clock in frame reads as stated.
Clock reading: 9:08
